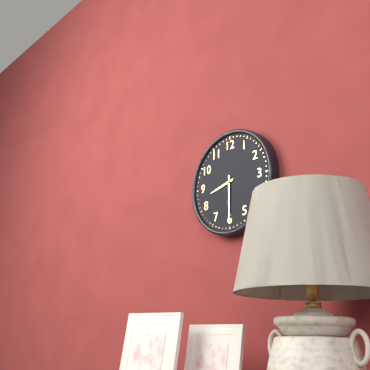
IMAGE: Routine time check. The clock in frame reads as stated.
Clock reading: 8:30
